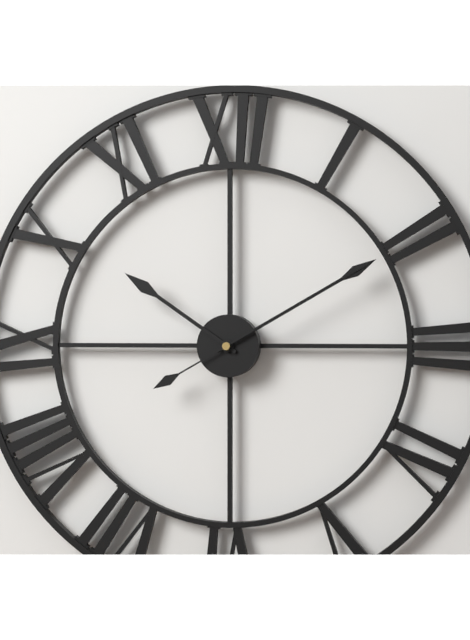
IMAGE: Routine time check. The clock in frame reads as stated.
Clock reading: 10:10:10
